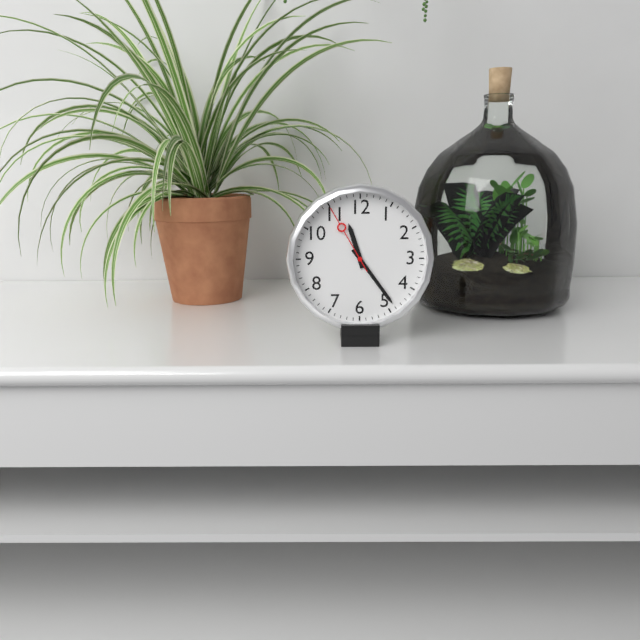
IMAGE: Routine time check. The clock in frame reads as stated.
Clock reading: 11:24:55
